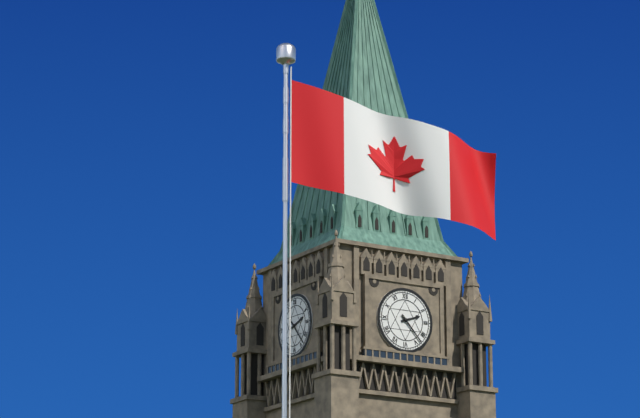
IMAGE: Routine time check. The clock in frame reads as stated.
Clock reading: 2:23
